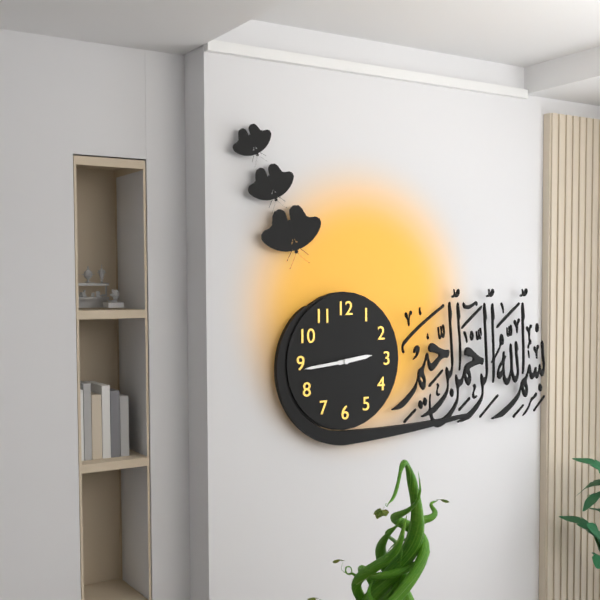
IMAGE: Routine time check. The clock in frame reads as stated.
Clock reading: 2:44
